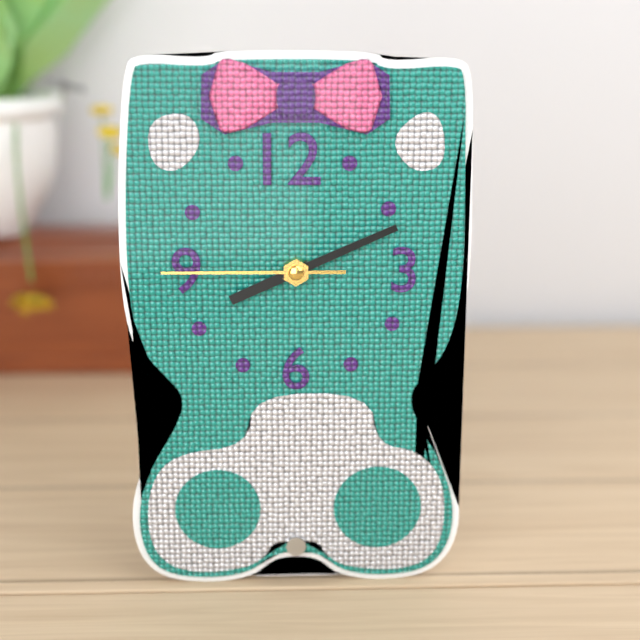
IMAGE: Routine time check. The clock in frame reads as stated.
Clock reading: 8:11:45
